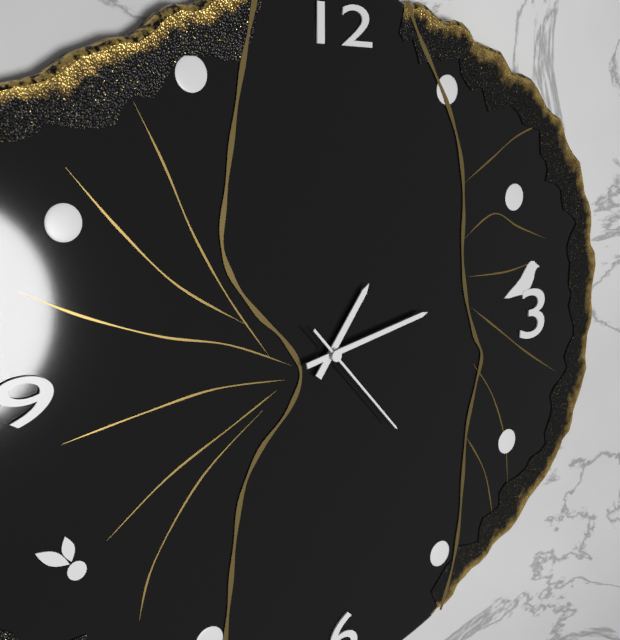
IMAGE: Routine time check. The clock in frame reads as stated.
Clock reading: 1:13:23
